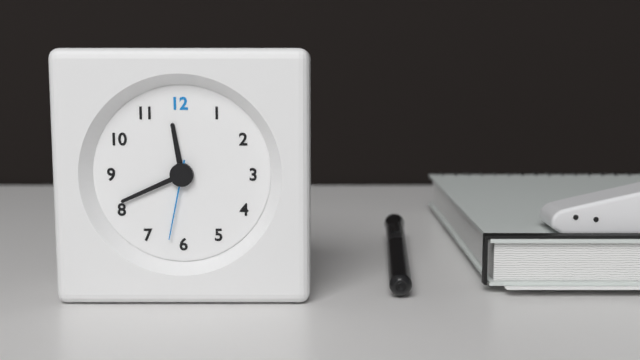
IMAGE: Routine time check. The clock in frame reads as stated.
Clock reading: 11:41:32
